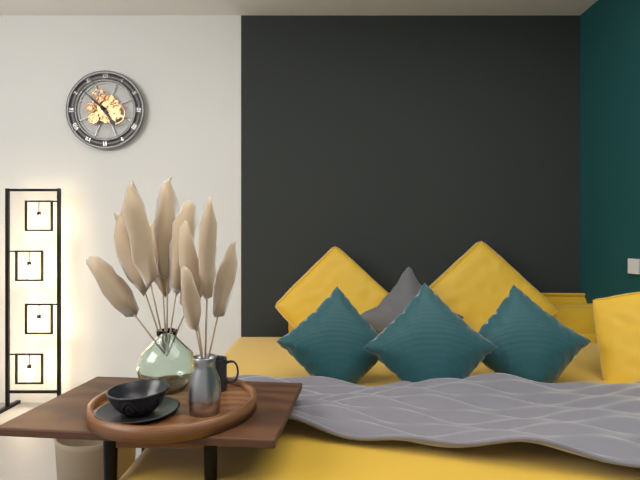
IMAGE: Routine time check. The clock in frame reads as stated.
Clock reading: 4:52
